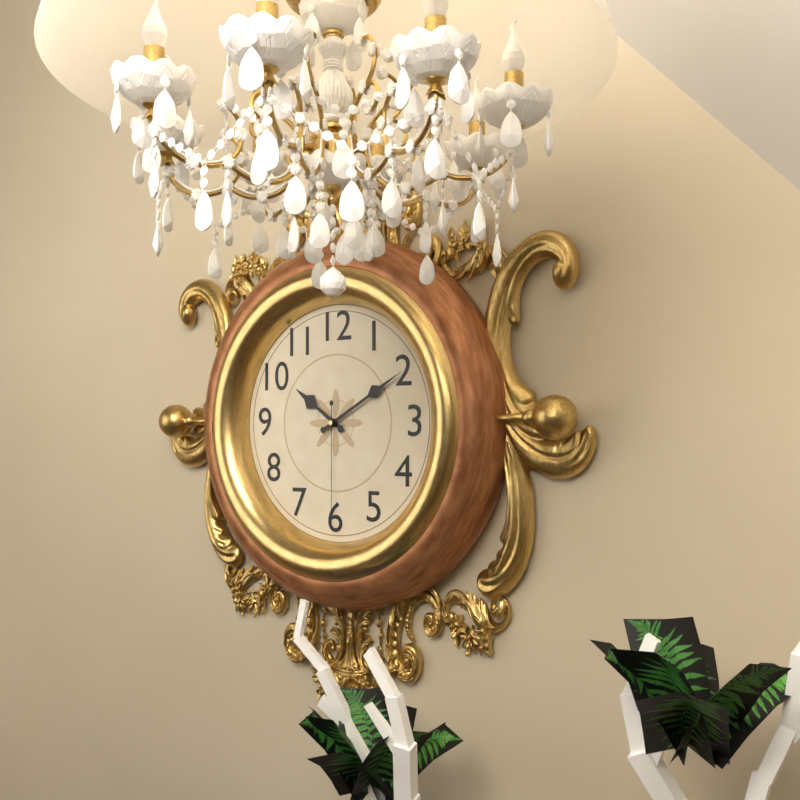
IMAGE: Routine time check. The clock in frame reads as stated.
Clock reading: 10:10:30
